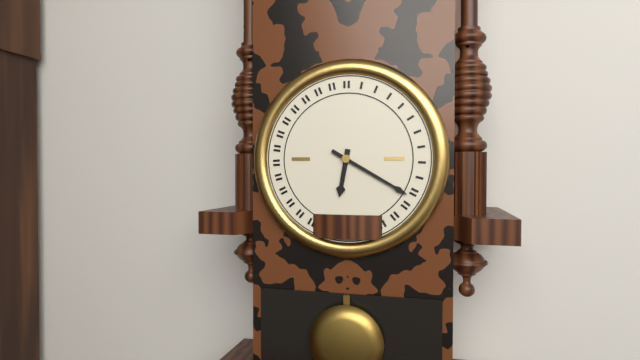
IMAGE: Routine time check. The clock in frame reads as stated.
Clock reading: 6:20
